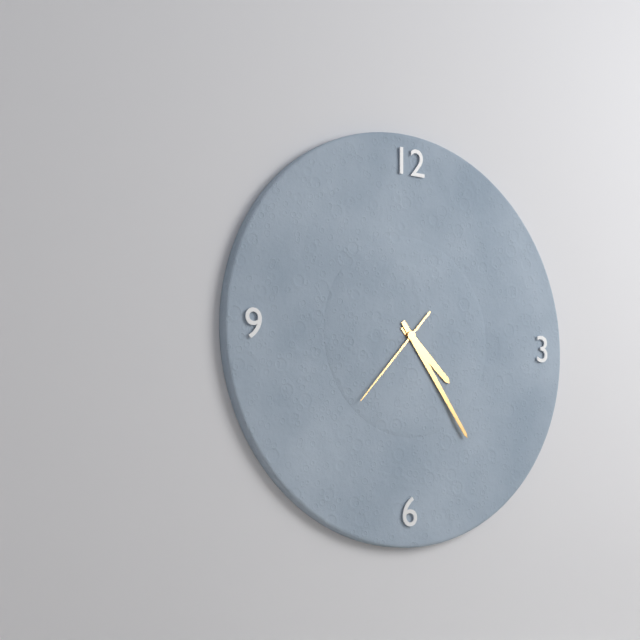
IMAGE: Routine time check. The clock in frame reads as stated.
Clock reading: 4:24:37
